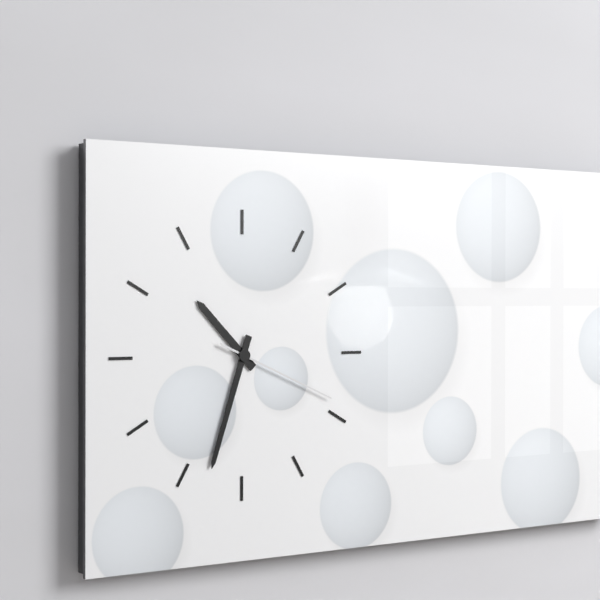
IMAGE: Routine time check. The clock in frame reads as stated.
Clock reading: 10:33:19
